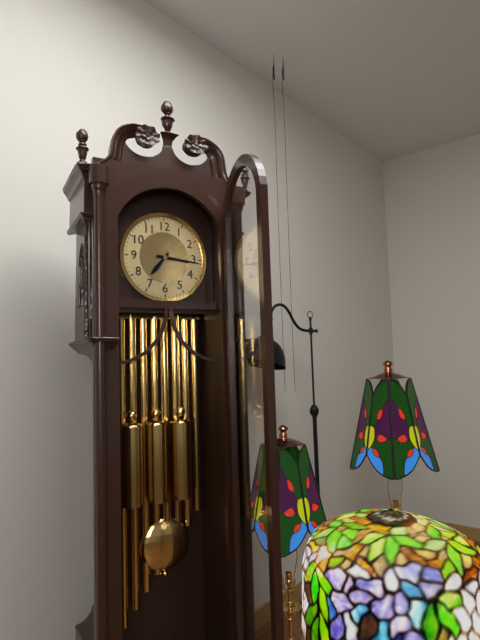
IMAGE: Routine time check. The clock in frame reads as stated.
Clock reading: 7:16
